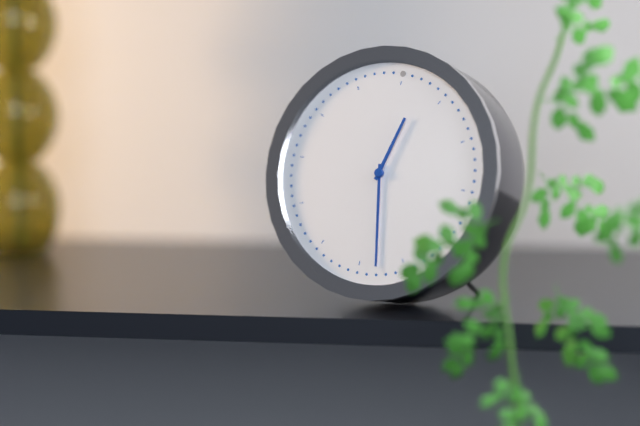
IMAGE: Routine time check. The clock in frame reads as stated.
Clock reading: 12:28
